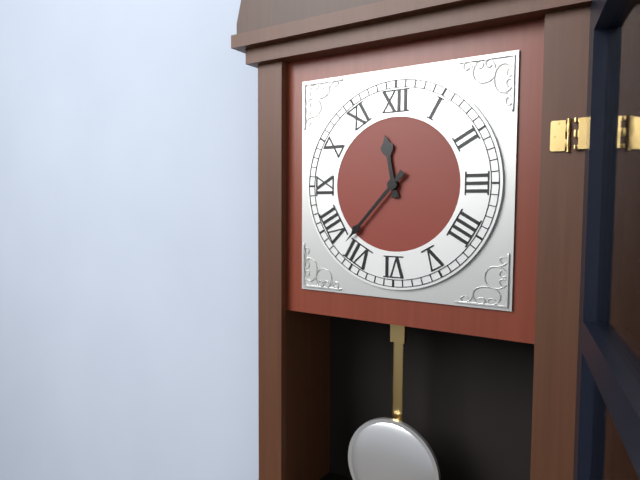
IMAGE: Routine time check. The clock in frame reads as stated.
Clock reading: 11:37
